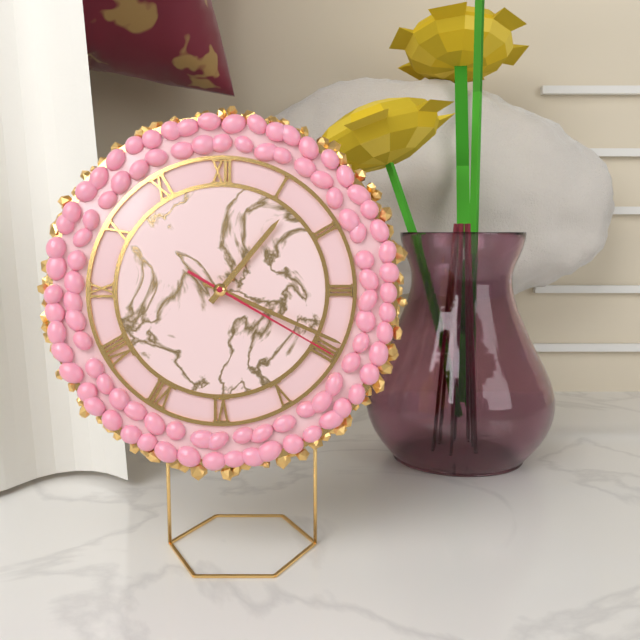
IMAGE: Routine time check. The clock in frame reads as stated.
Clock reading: 1:19:20
